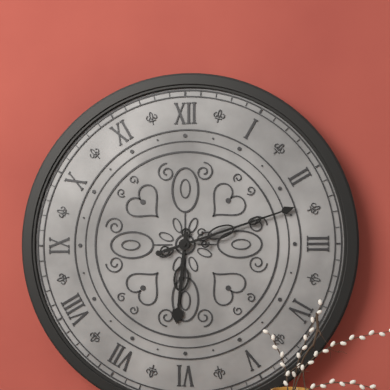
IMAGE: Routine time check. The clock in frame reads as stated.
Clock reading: 6:12
